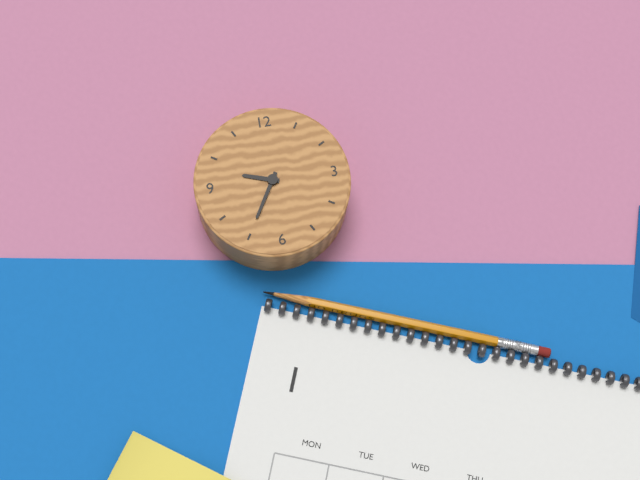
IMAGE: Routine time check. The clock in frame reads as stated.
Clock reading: 9:35
